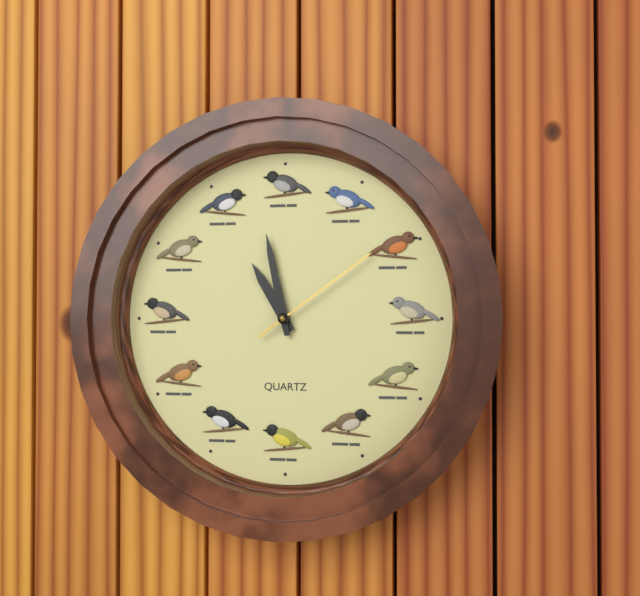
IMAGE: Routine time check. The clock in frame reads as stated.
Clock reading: 10:58:09
